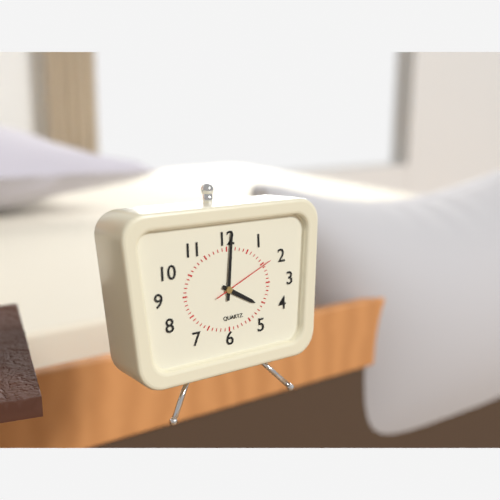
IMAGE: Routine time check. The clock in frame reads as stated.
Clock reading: 4:01:11
